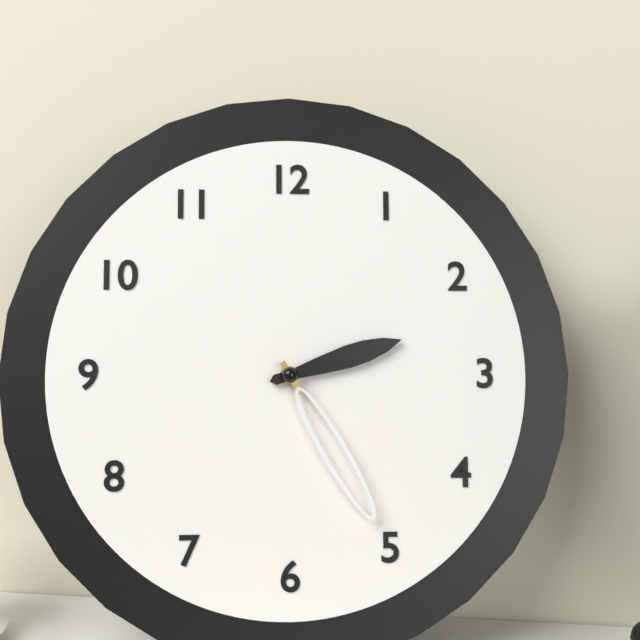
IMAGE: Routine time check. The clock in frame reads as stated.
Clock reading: 2:25
